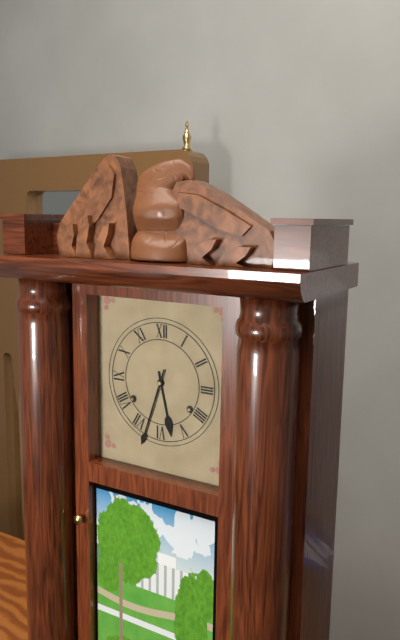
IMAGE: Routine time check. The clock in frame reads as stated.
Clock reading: 5:33
